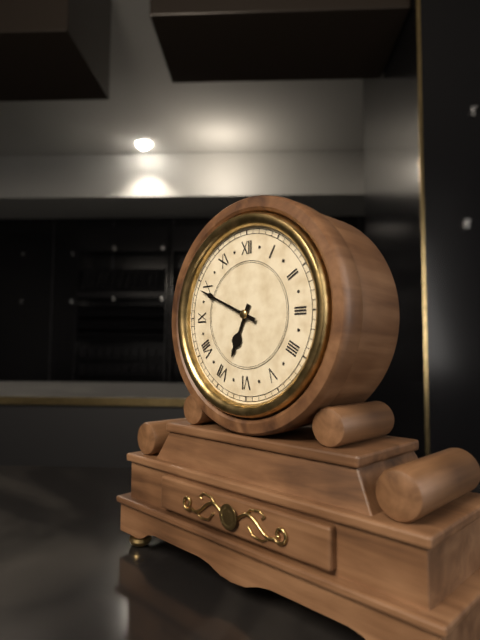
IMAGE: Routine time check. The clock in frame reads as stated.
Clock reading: 6:49
